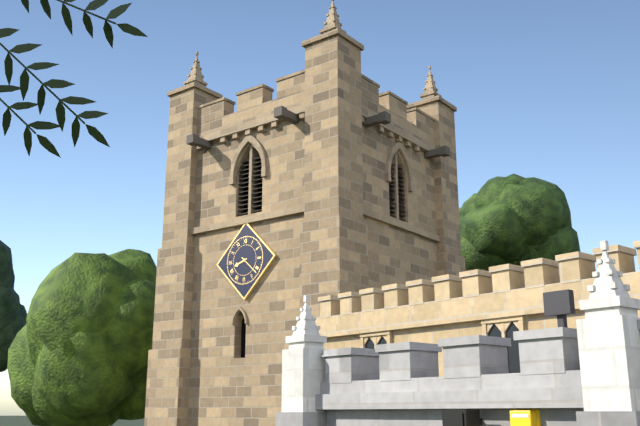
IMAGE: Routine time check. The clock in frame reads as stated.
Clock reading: 8:22
